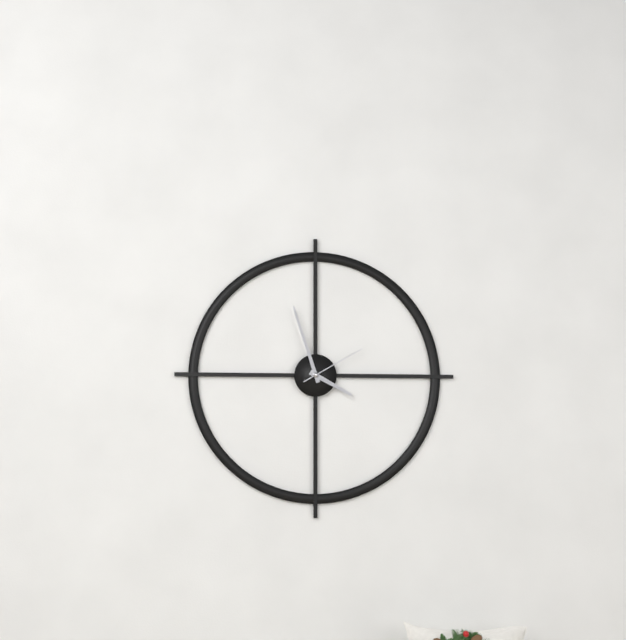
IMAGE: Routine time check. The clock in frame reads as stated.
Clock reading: 3:57:10
